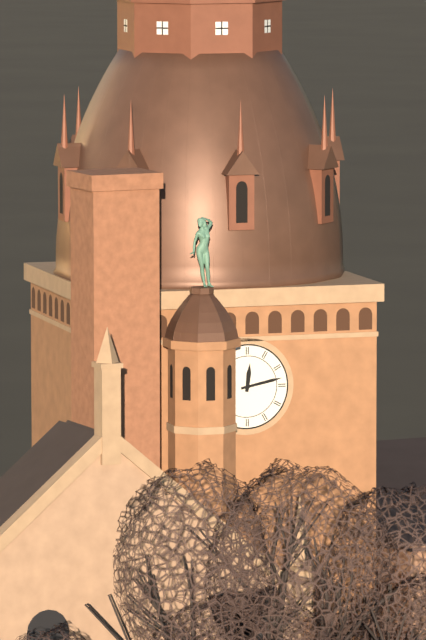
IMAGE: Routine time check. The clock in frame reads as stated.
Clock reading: 12:13
